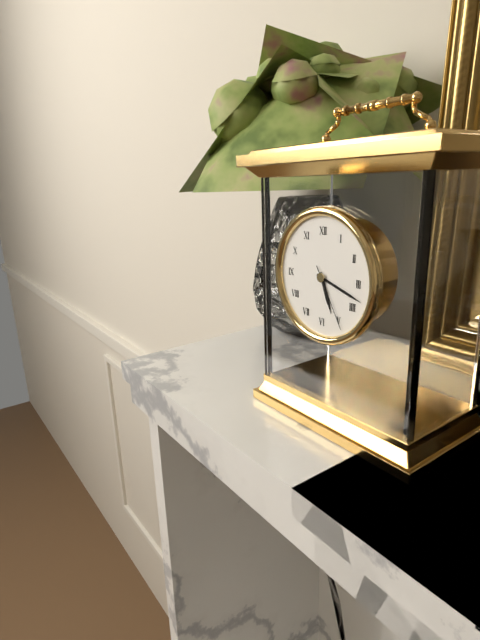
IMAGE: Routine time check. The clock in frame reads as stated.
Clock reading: 5:18:25
